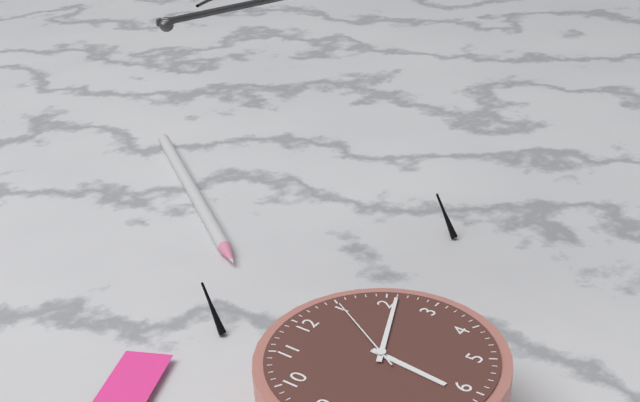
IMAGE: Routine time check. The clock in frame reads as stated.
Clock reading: 6:11:05
